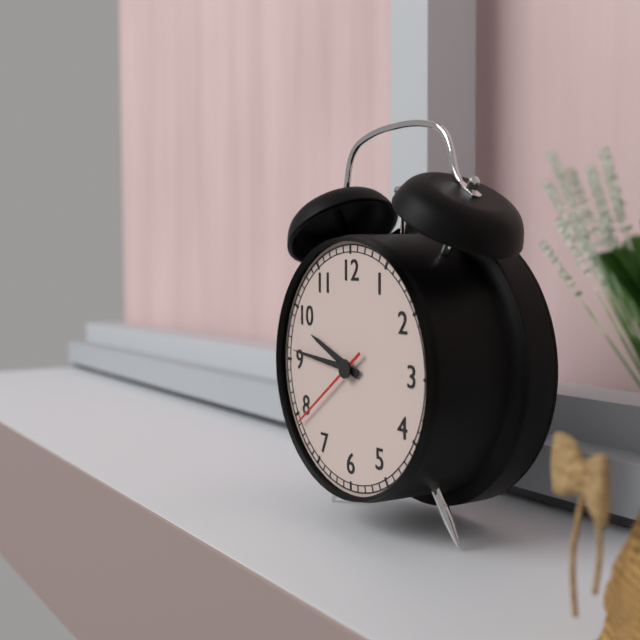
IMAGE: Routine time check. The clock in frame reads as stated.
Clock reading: 9:46:39
